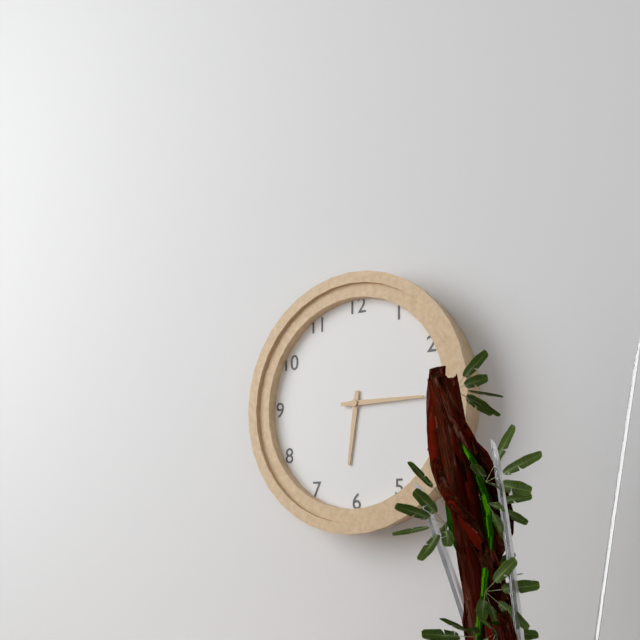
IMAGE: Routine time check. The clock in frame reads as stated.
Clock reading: 6:15
